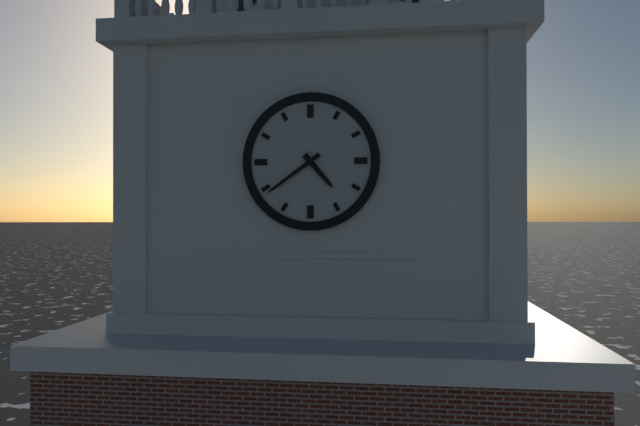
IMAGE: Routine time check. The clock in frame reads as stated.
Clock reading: 4:39
